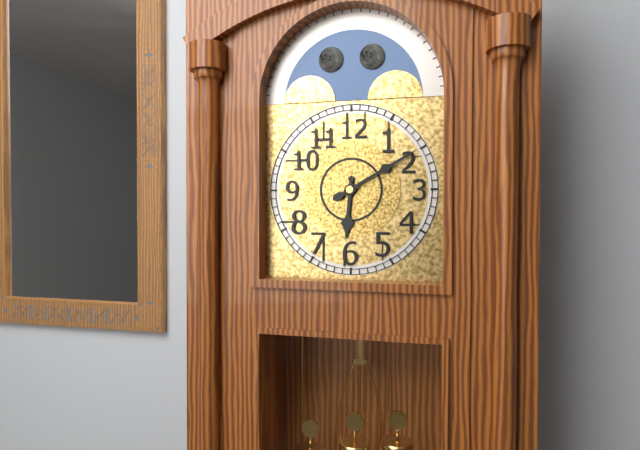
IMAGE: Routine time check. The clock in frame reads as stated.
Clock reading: 6:10
